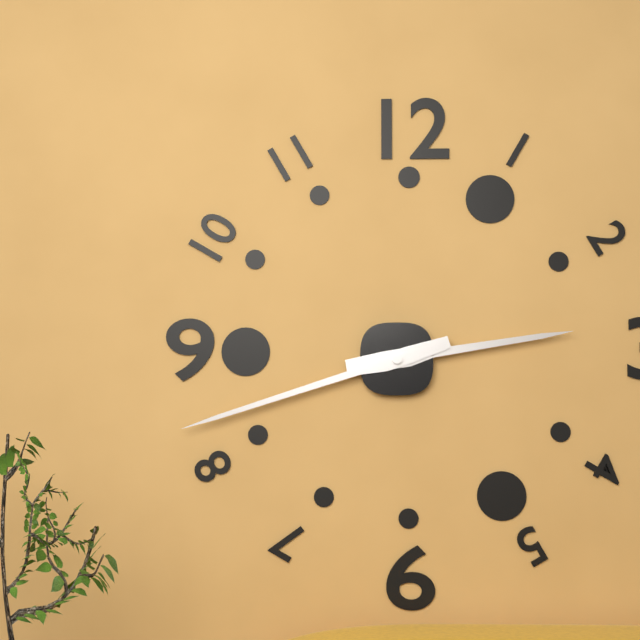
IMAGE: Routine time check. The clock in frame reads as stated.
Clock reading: 2:42
